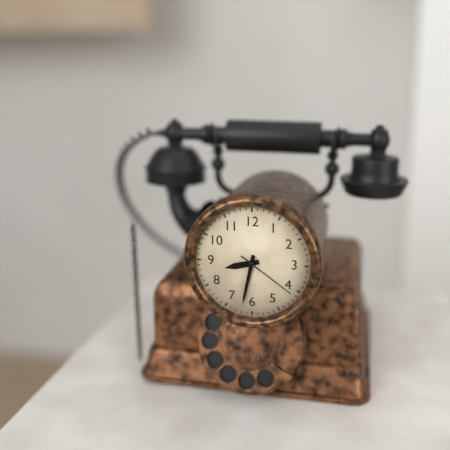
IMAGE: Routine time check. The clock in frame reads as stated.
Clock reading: 8:32:21
